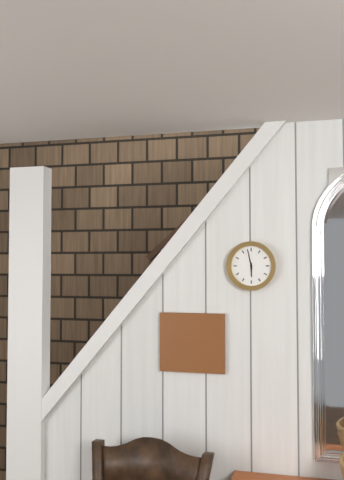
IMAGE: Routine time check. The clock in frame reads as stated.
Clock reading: 5:58
